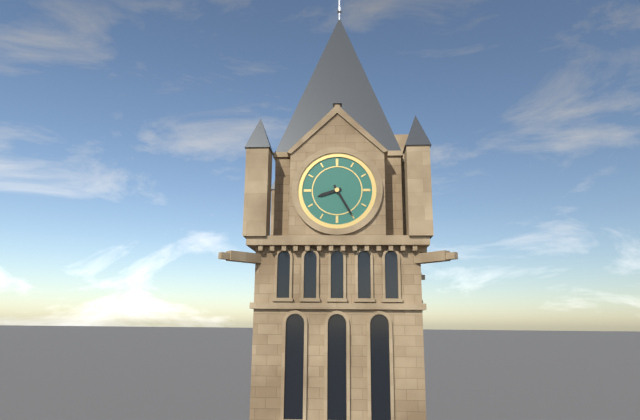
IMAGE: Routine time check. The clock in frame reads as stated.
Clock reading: 8:25
